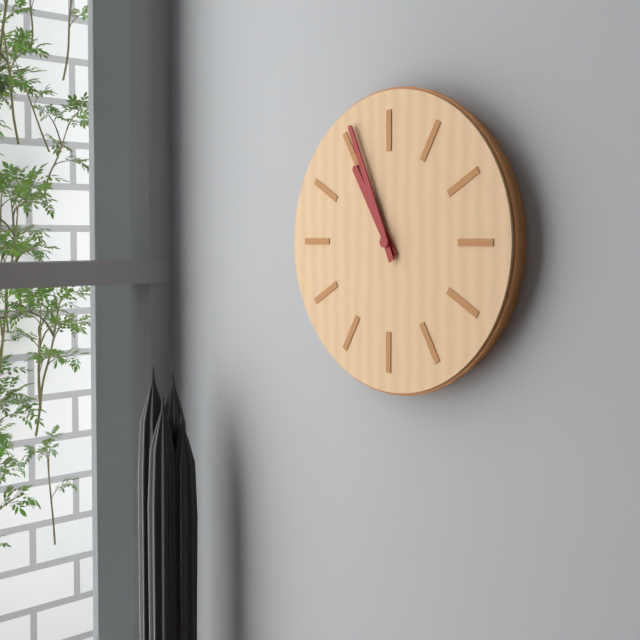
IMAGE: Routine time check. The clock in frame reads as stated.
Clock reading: 10:56
